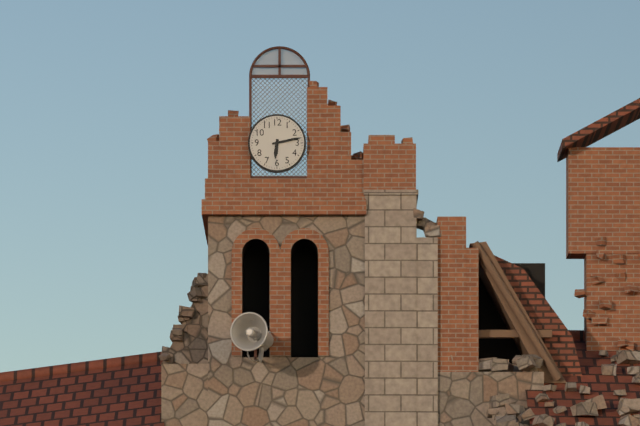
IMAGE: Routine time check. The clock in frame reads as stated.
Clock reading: 6:13
